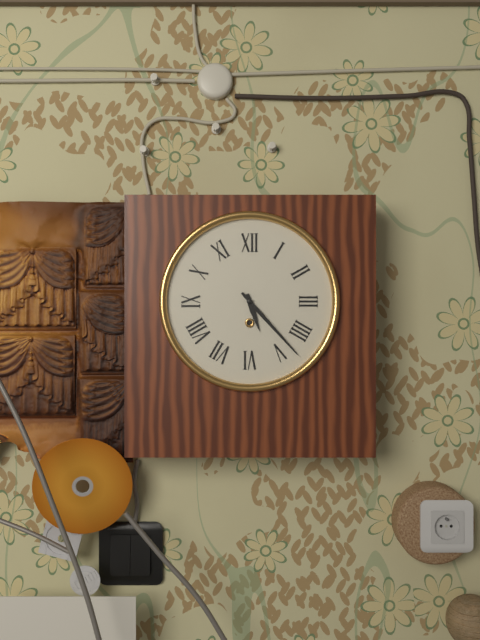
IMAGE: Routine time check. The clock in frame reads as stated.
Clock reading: 5:23
